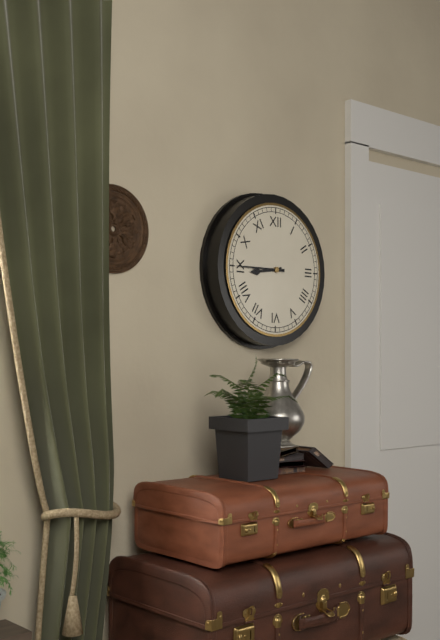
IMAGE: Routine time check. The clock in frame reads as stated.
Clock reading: 8:45
